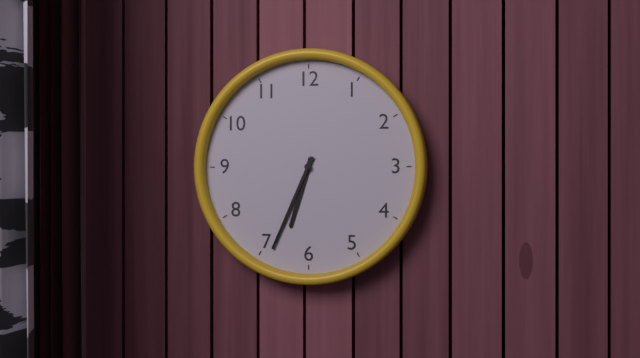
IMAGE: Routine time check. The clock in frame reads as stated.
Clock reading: 6:34
